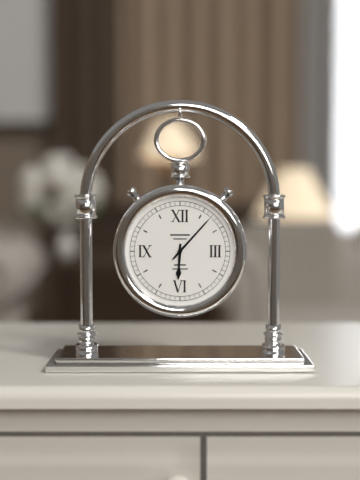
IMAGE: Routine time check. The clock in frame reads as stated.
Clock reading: 6:07
